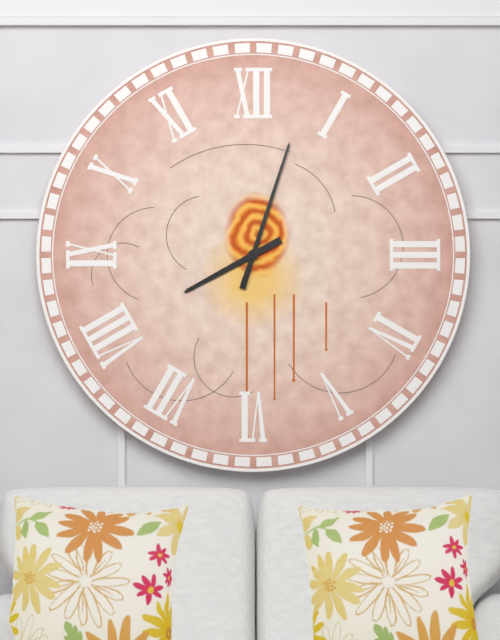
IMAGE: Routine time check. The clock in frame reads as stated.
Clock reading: 8:03
